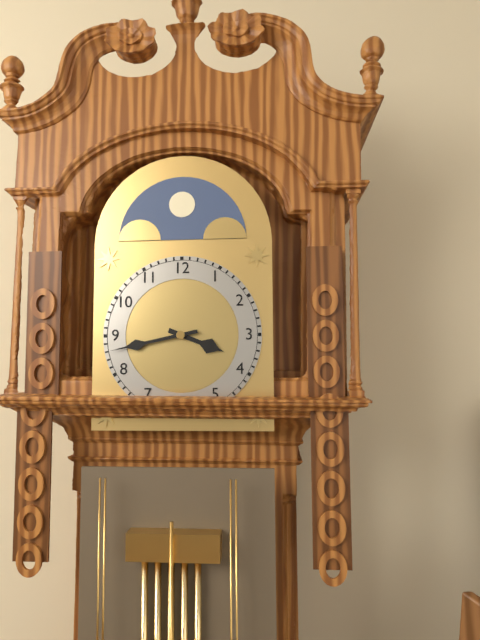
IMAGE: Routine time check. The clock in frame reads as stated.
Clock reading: 3:43
